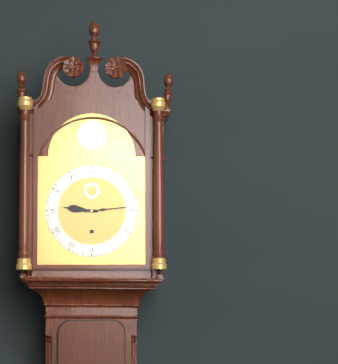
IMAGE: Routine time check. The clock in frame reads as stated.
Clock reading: 9:14
